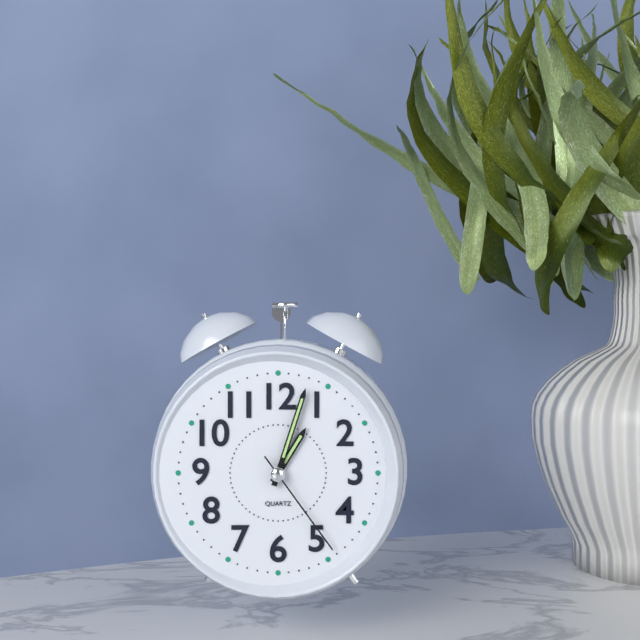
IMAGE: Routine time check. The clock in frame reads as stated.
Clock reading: 1:03:24
